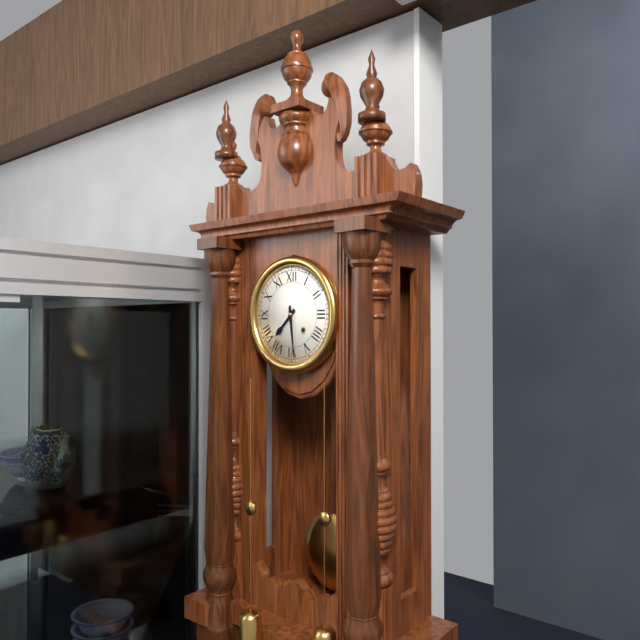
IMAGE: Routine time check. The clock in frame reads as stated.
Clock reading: 7:29
